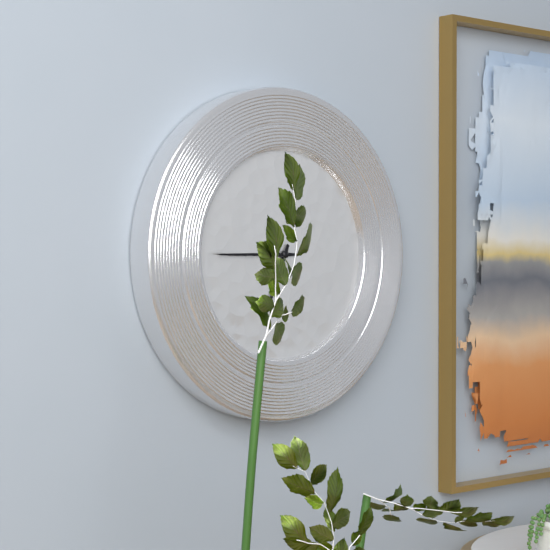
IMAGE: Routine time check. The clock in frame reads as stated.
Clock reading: 6:45
